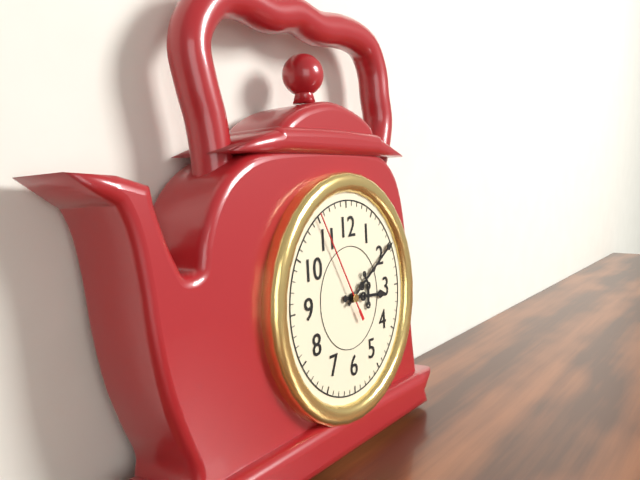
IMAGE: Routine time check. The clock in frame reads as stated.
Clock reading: 3:10:55
